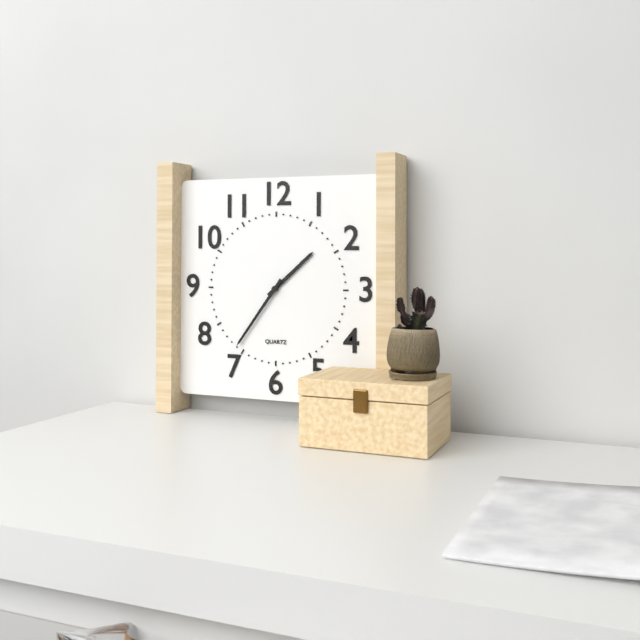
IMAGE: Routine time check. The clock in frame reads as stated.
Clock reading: 1:36
